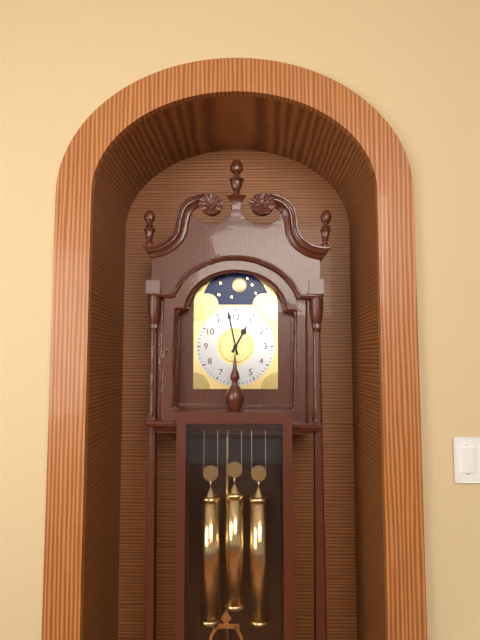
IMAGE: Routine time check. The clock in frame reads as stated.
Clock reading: 12:58
